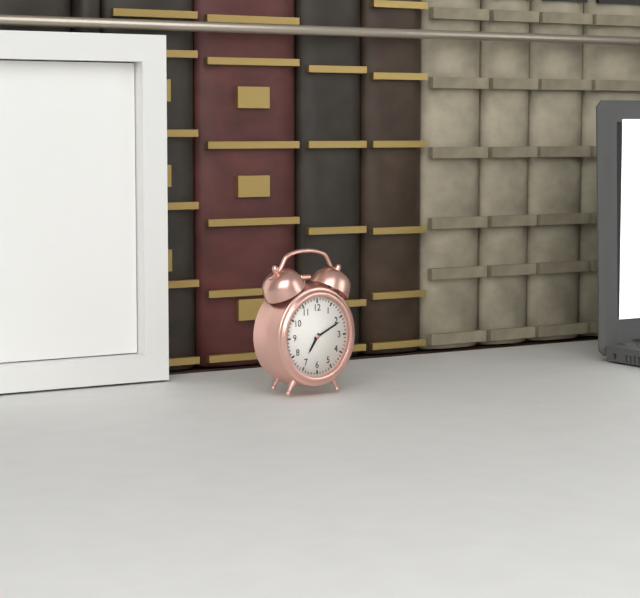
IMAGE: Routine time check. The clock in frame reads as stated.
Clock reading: 7:11
